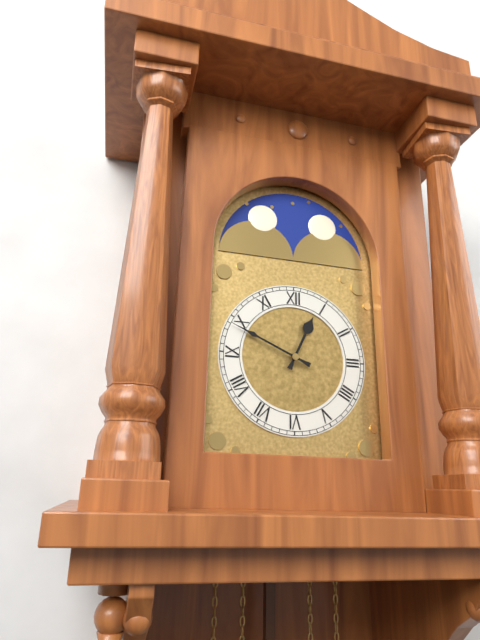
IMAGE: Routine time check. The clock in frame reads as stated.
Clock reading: 12:49
